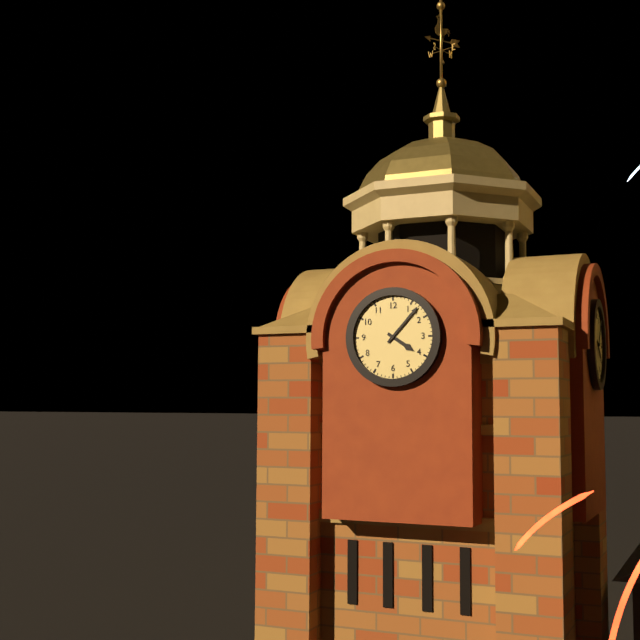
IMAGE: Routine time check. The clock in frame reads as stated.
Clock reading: 4:07
